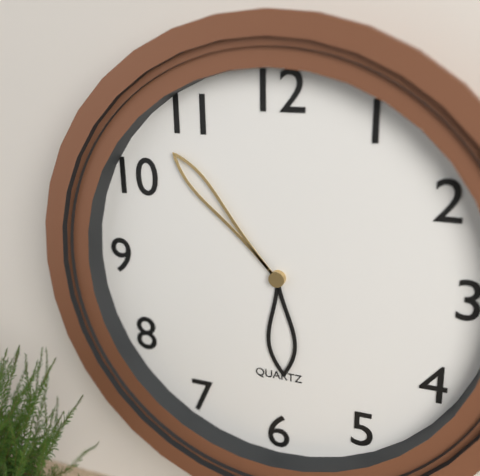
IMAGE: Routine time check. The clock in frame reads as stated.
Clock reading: 5:53
